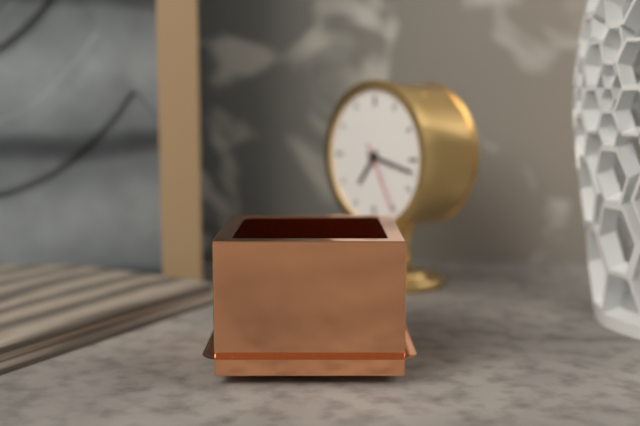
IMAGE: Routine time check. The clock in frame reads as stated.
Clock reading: 7:17:25
